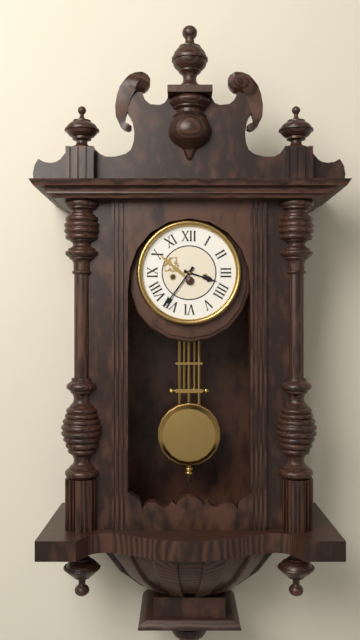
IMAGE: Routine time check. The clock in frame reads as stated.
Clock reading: 3:36
